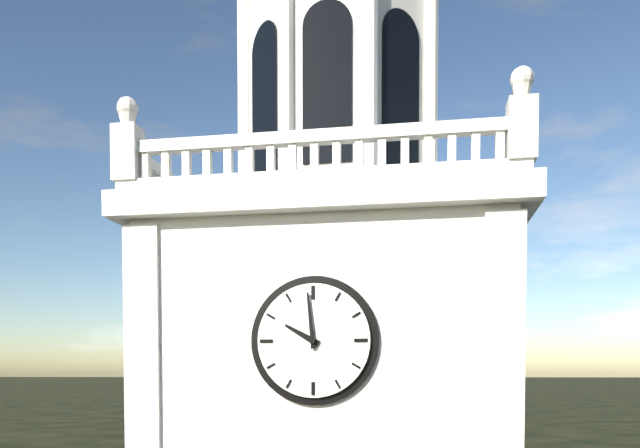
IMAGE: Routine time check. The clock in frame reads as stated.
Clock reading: 9:59
